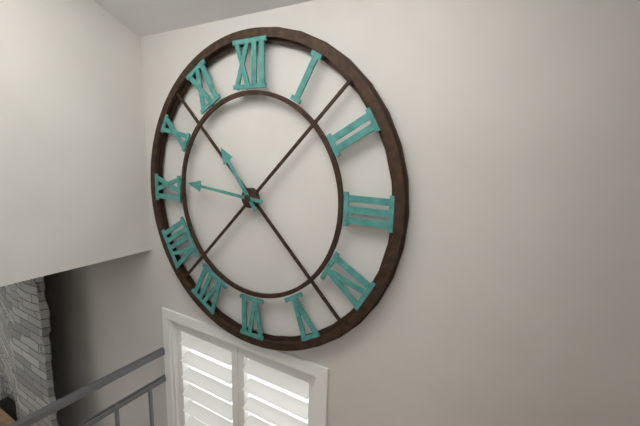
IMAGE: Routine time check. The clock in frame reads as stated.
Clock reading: 10:46
